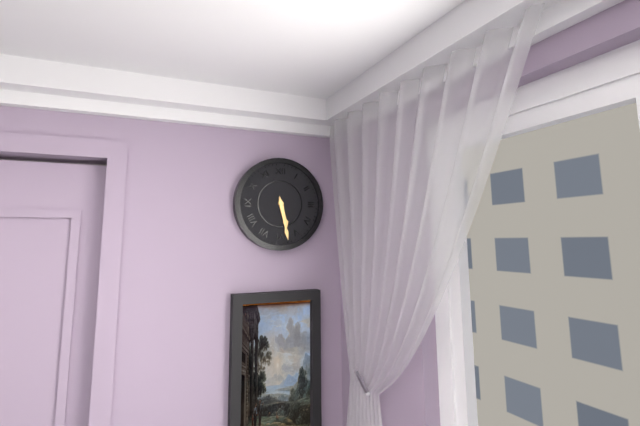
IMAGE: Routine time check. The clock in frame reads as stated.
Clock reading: 5:28
